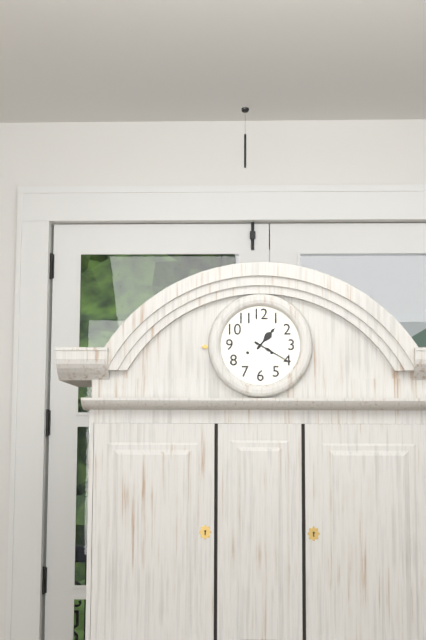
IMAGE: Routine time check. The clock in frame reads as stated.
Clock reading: 1:20
